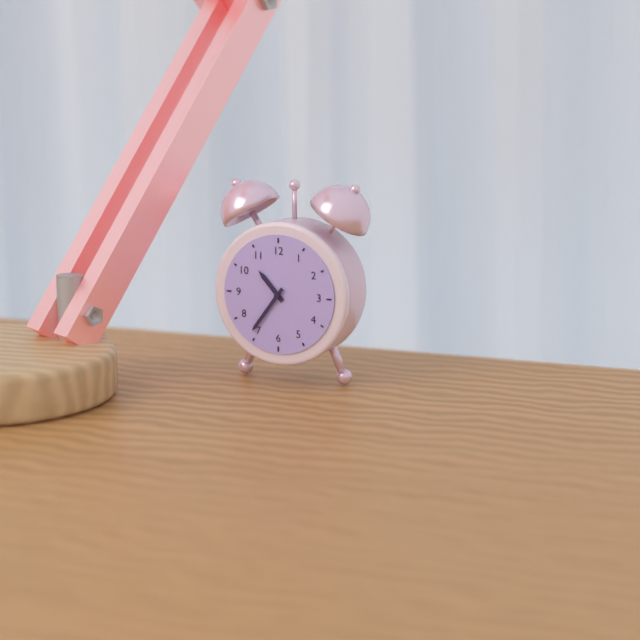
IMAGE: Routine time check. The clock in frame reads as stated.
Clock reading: 10:36
